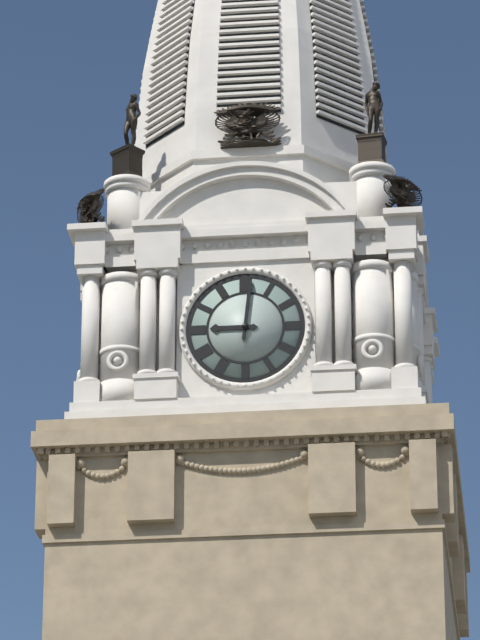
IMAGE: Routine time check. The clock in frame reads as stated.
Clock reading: 9:01
